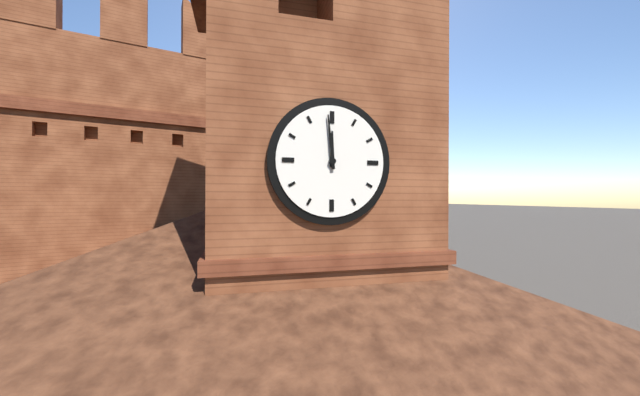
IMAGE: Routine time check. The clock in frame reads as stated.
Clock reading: 11:59
